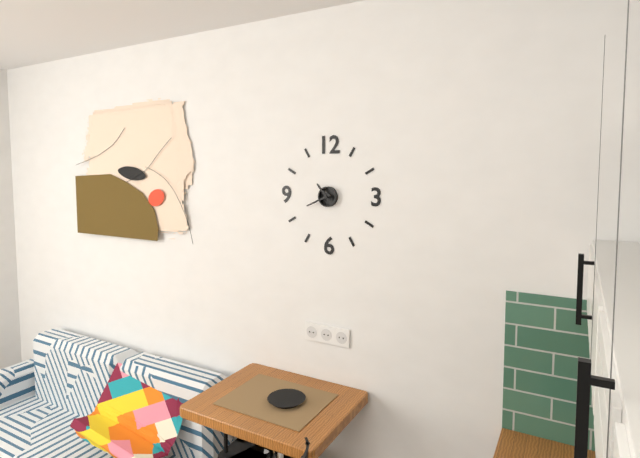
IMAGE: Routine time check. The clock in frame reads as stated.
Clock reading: 10:41
